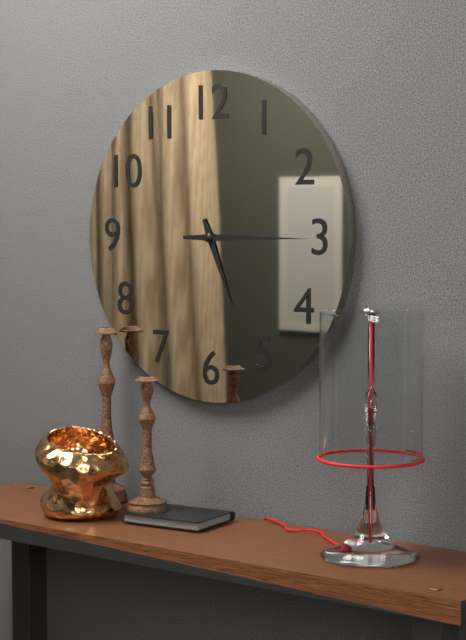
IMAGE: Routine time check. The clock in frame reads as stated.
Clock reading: 5:15
